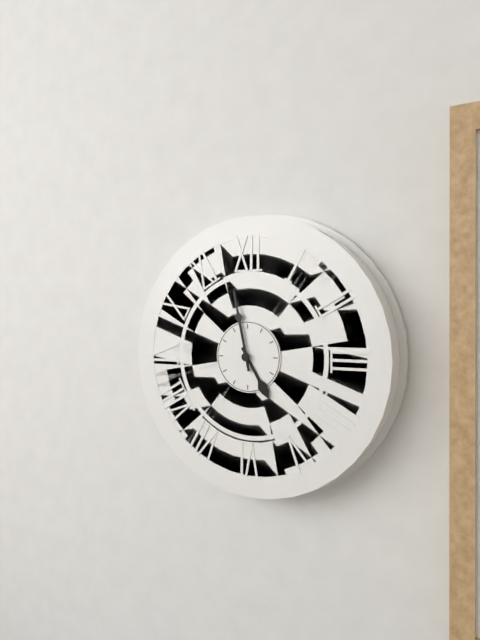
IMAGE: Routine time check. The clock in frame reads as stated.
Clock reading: 4:58
